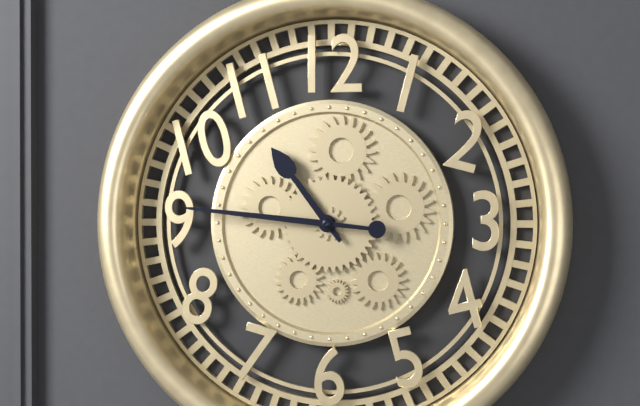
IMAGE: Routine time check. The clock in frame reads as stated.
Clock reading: 10:46
